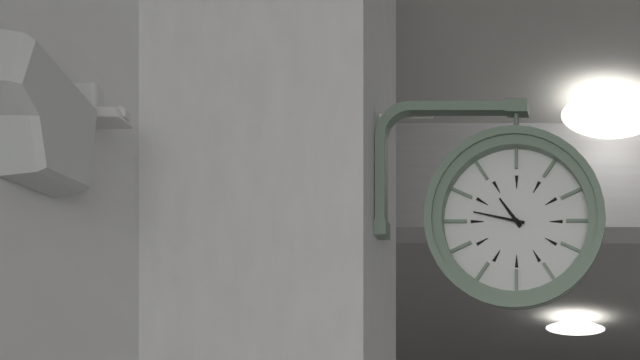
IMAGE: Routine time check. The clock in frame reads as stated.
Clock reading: 10:47
